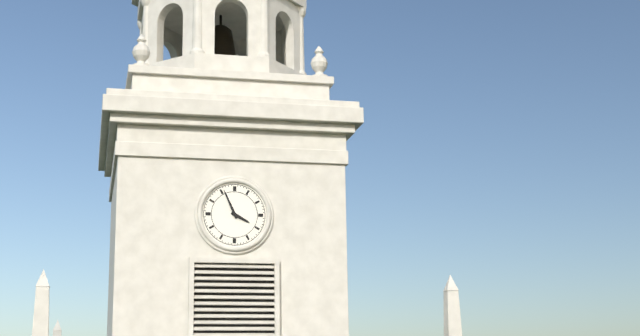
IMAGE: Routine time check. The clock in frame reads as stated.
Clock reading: 3:56
